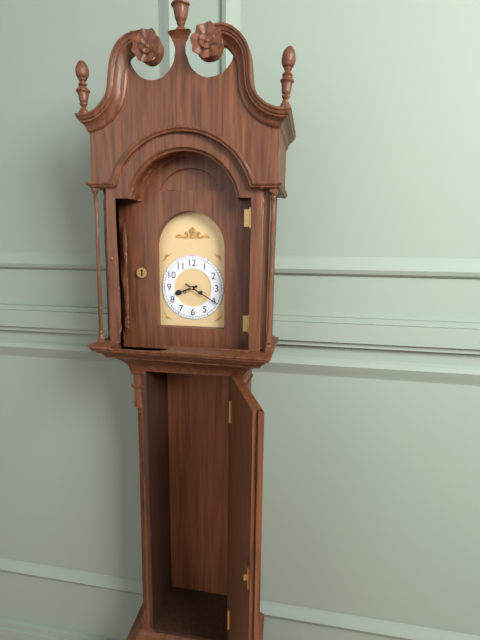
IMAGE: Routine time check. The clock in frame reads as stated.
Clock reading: 8:20
